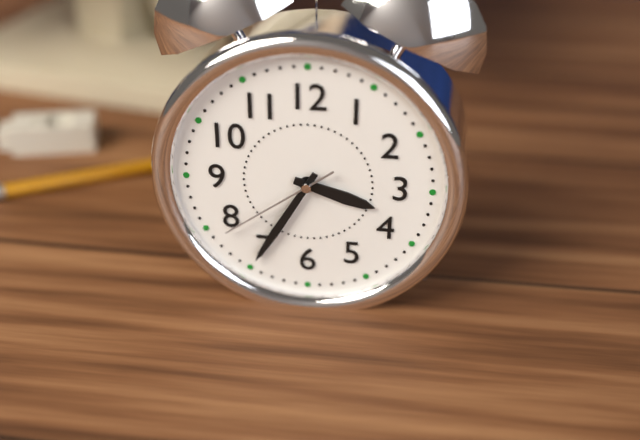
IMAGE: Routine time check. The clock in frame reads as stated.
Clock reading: 3:35:39
